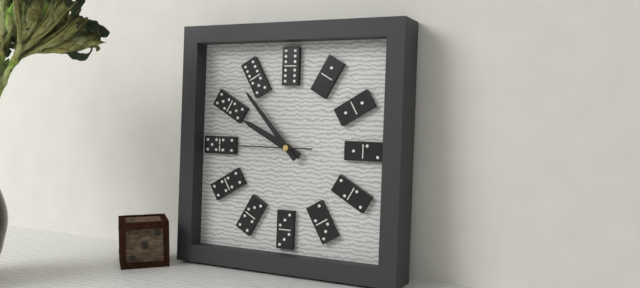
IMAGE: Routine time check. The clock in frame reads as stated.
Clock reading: 9:53:45
